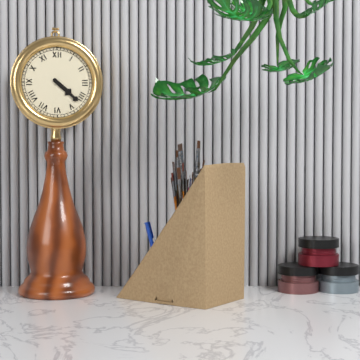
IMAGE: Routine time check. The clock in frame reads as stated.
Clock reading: 4:22
